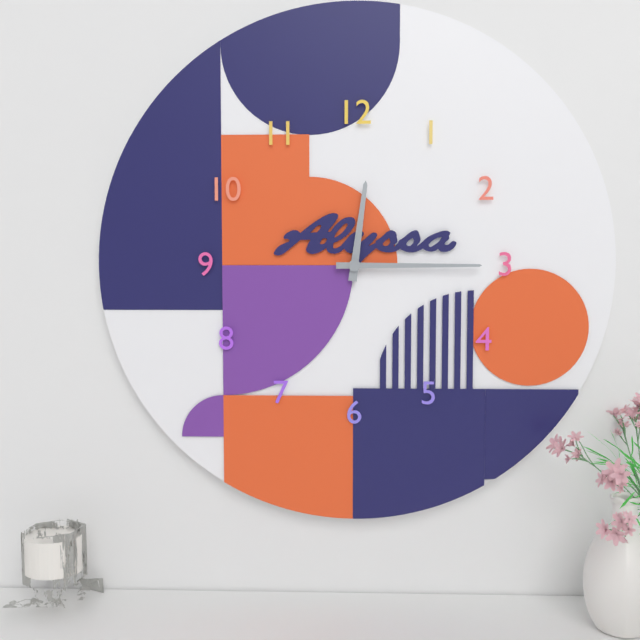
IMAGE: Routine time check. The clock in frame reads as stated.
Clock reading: 12:15
